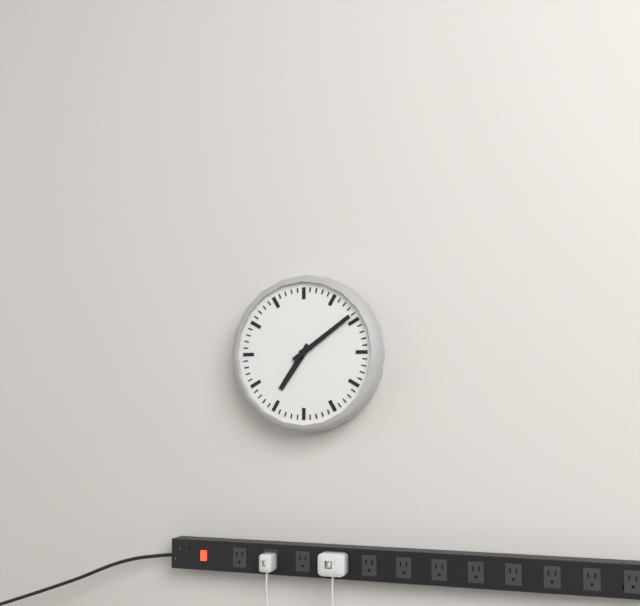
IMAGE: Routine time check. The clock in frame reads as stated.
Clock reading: 7:09
